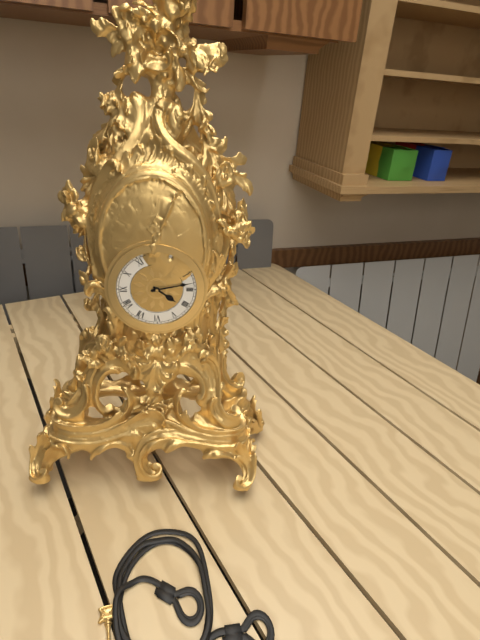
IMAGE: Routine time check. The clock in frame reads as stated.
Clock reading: 4:13
